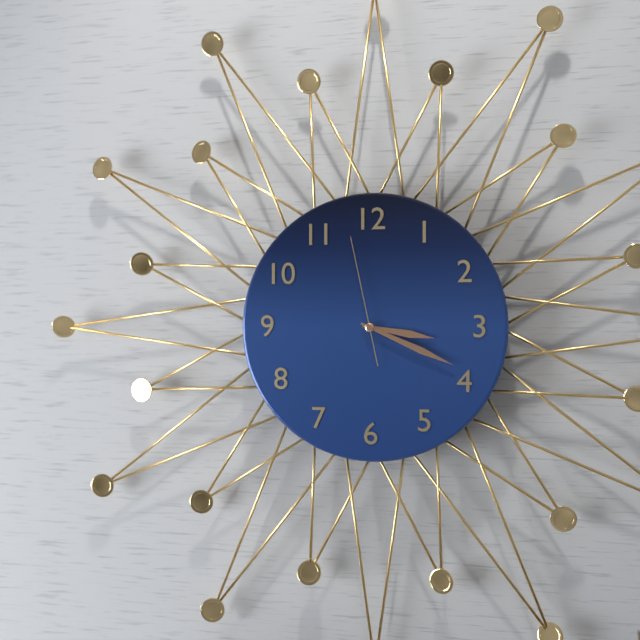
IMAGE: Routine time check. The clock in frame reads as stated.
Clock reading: 3:19:58
